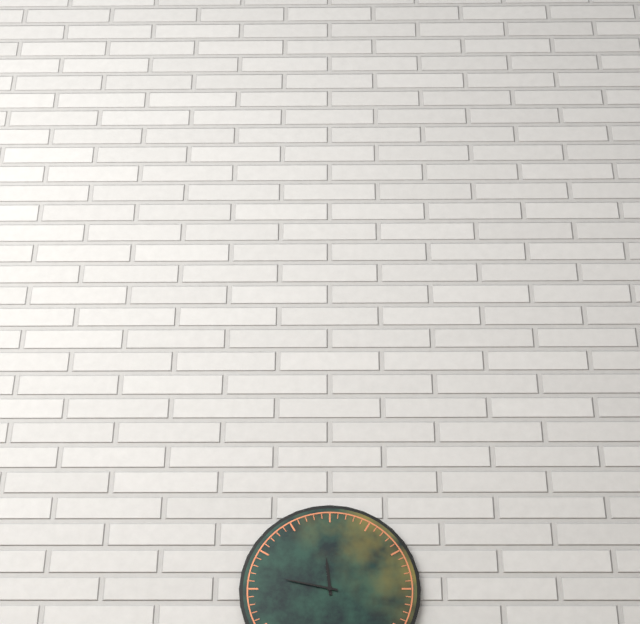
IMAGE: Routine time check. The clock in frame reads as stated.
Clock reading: 11:47
